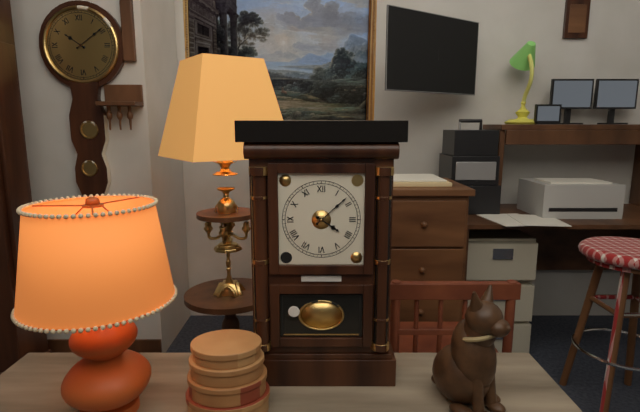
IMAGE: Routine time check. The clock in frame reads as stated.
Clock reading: 4:08
